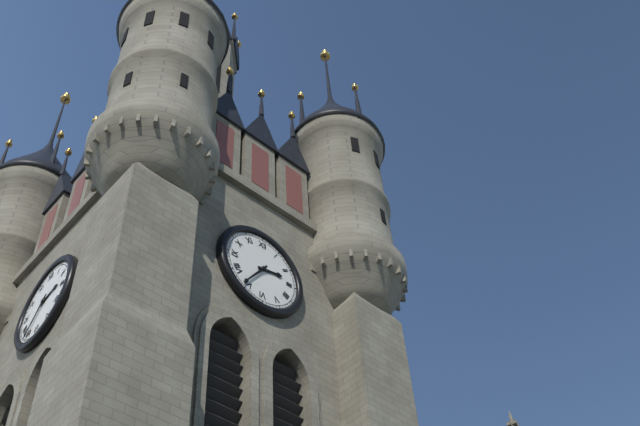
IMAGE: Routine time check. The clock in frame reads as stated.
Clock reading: 2:36
